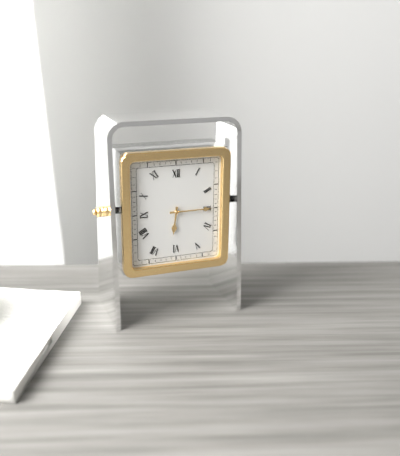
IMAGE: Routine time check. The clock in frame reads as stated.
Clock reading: 6:15
